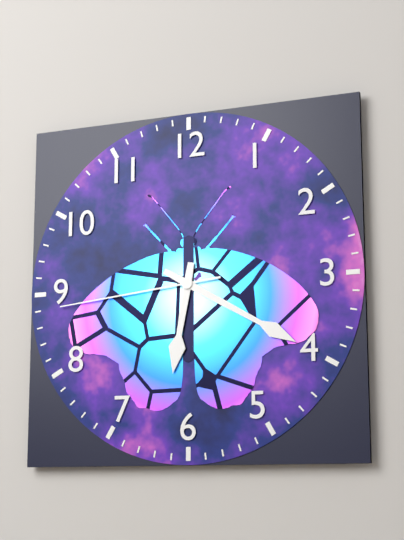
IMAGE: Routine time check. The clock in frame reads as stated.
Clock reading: 6:20:44
